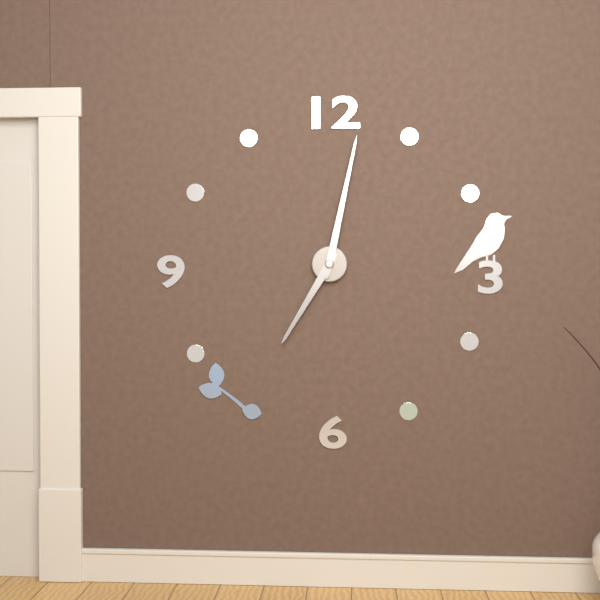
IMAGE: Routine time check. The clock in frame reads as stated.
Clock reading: 7:02
